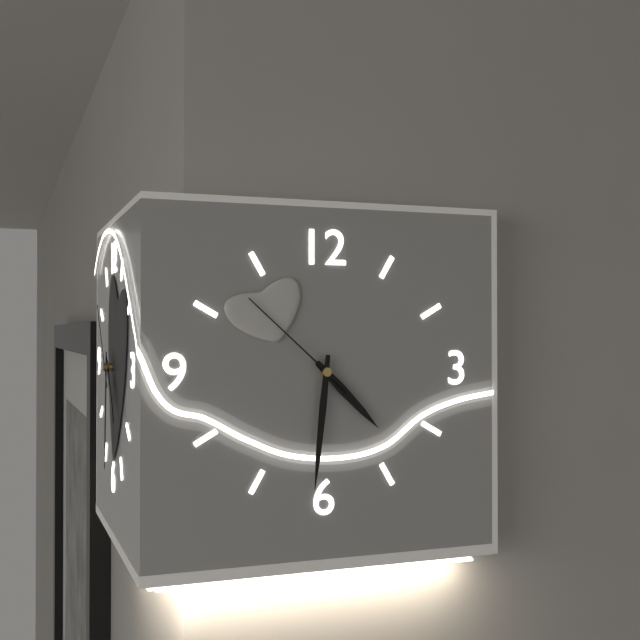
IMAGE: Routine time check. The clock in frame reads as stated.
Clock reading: 4:31:52
